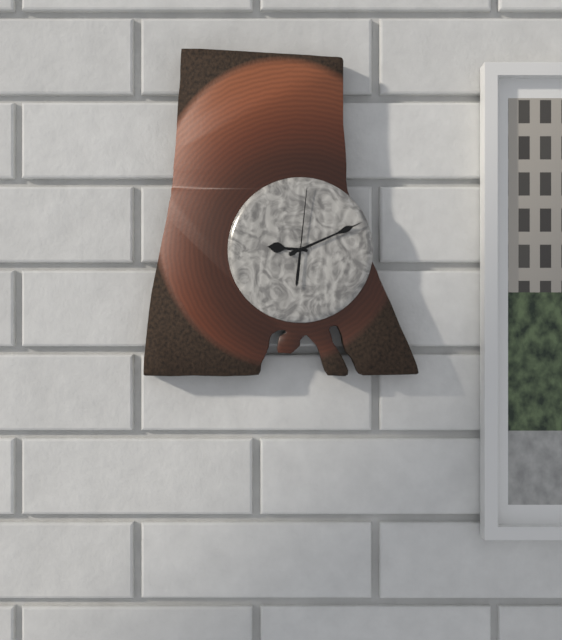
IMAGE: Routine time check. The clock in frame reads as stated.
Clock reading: 9:11:01
